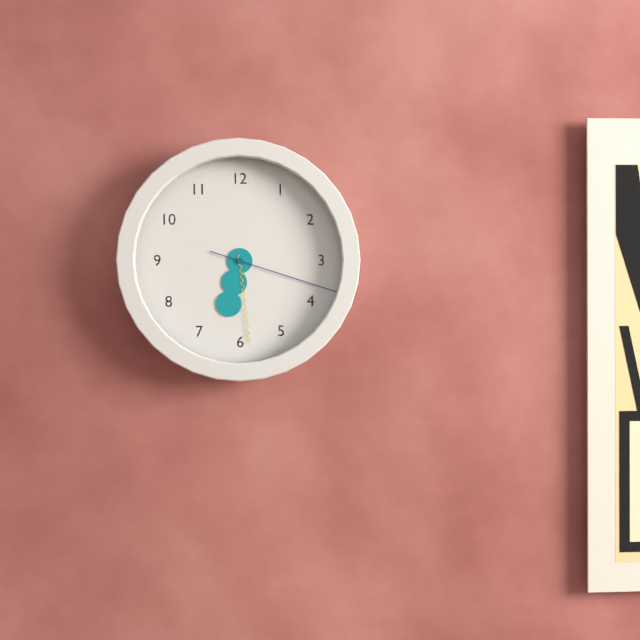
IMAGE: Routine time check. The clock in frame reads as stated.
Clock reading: 6:29:18
